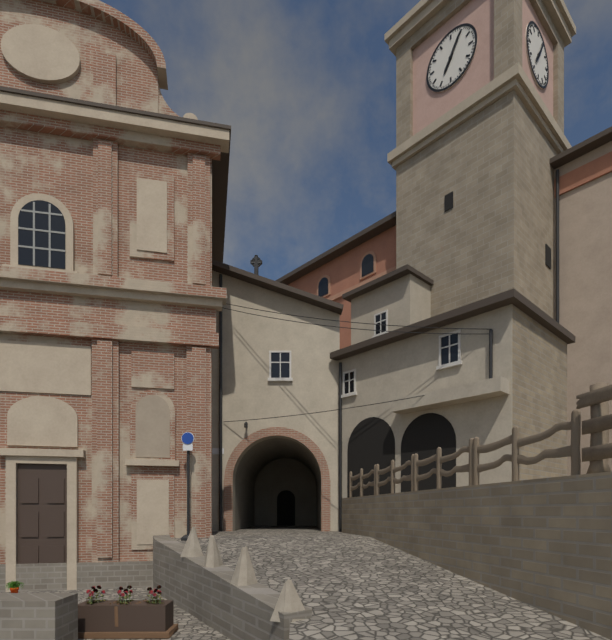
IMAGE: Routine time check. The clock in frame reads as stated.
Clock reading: 7:05
